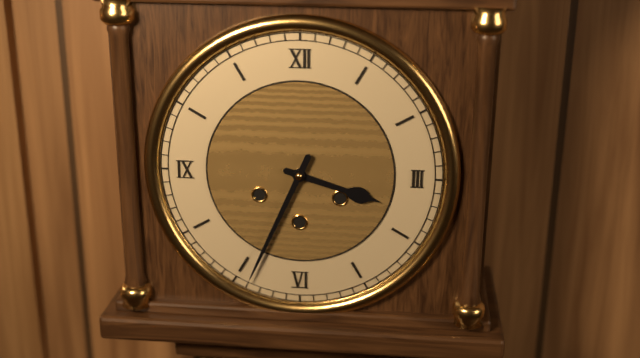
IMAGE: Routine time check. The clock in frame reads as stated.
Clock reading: 3:34
